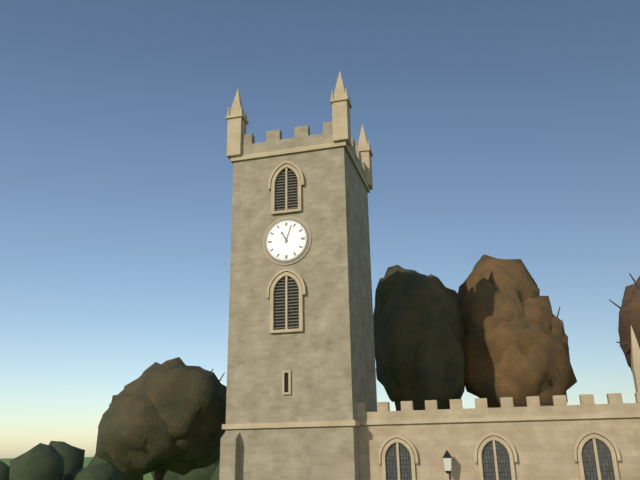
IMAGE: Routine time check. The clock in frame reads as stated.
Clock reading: 11:03
